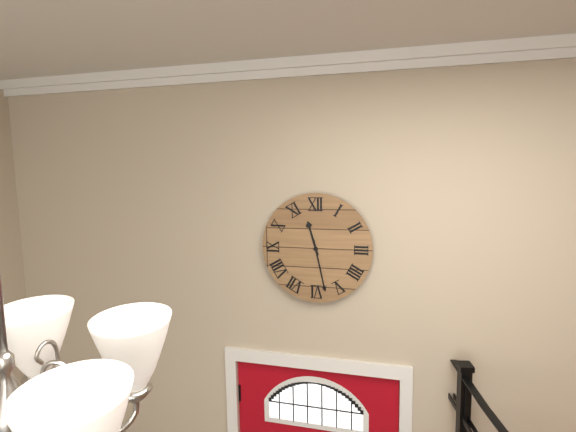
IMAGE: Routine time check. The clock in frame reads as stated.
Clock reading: 11:28
